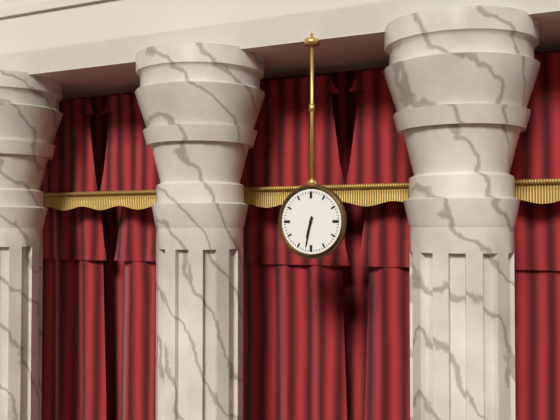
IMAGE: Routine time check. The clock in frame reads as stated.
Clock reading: 6:32
